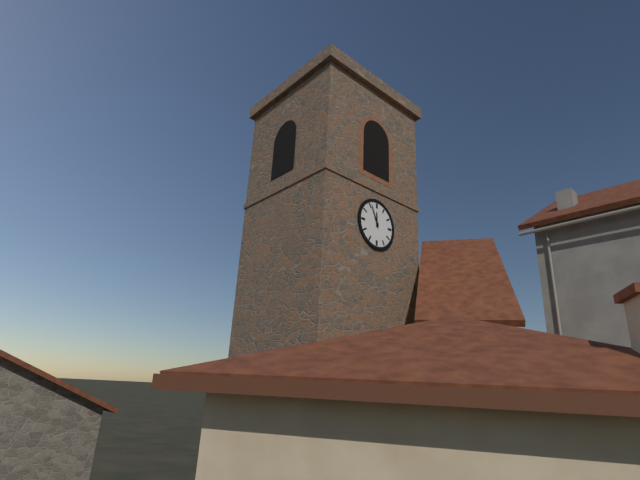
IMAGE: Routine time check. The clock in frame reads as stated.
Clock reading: 11:56
